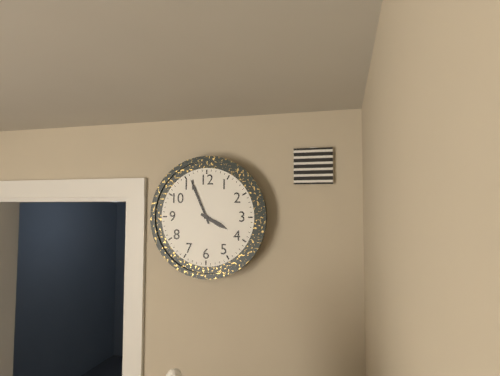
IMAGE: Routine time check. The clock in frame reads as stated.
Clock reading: 3:56
